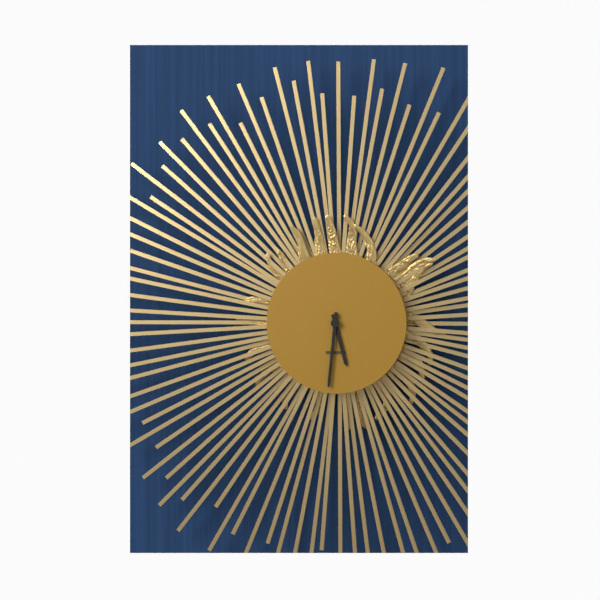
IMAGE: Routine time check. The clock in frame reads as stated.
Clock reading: 5:31
